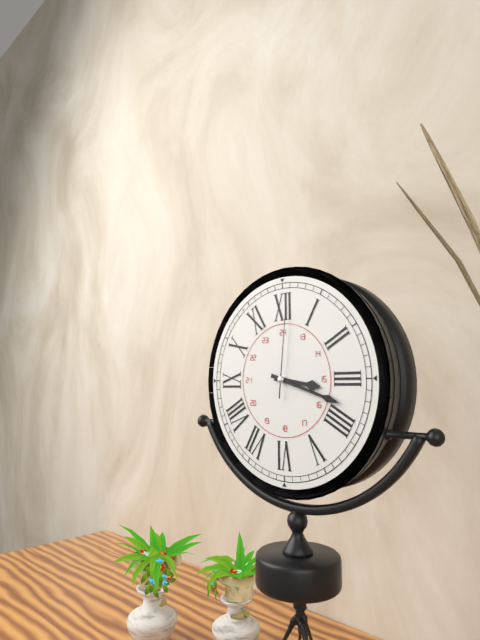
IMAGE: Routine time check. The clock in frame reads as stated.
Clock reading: 3:18:01
